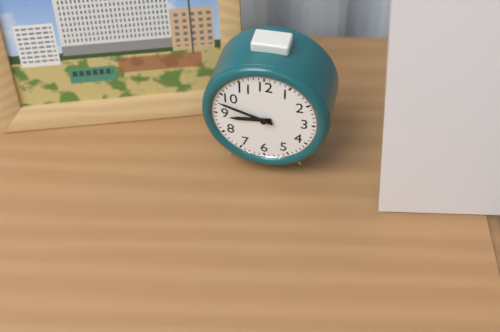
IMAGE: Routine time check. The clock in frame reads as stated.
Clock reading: 8:48
